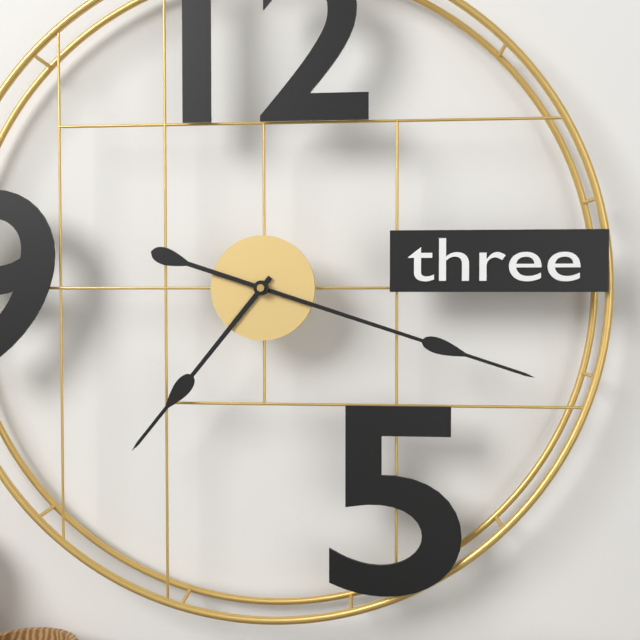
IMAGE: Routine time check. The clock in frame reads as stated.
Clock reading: 7:18
